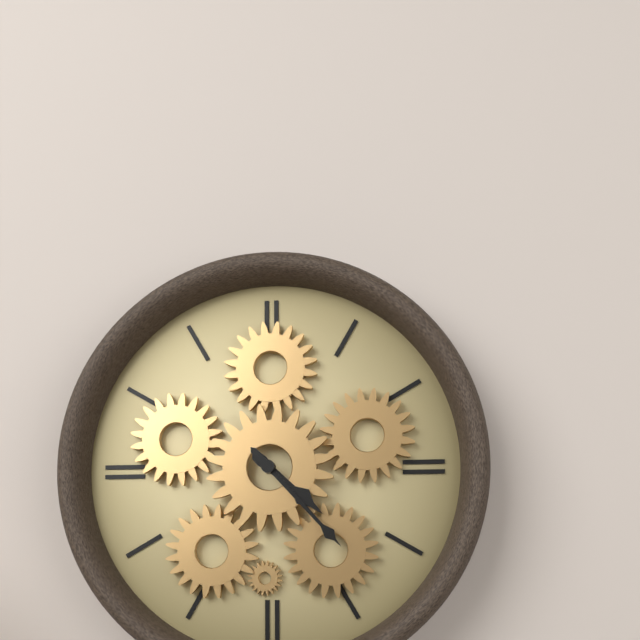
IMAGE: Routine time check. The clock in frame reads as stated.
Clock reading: 4:23
